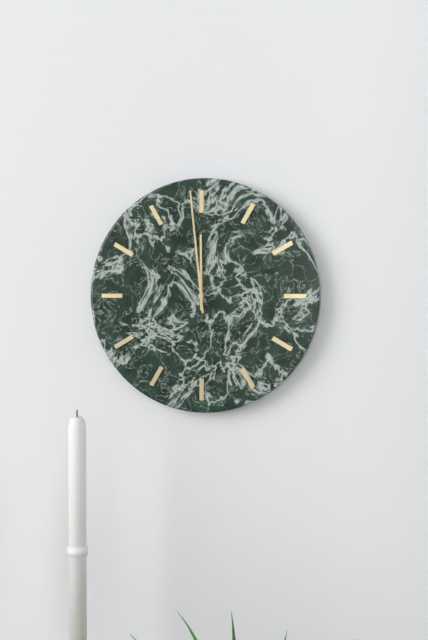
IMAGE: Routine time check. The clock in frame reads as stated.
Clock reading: 11:59
